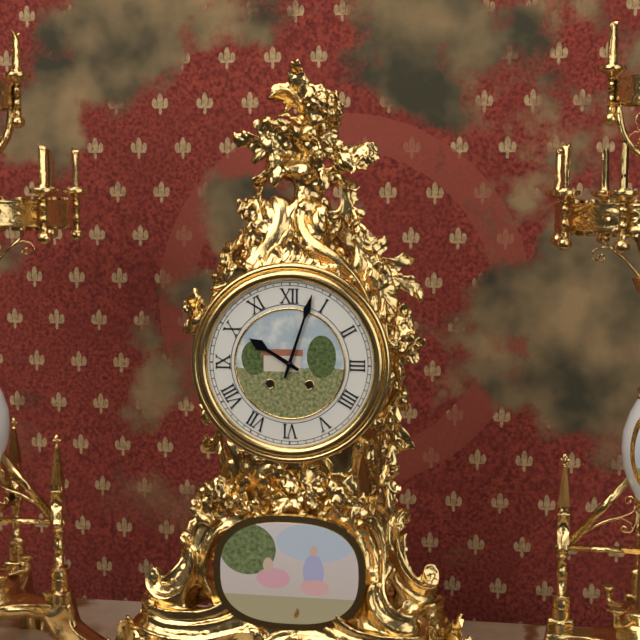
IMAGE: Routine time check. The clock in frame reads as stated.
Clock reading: 10:03
